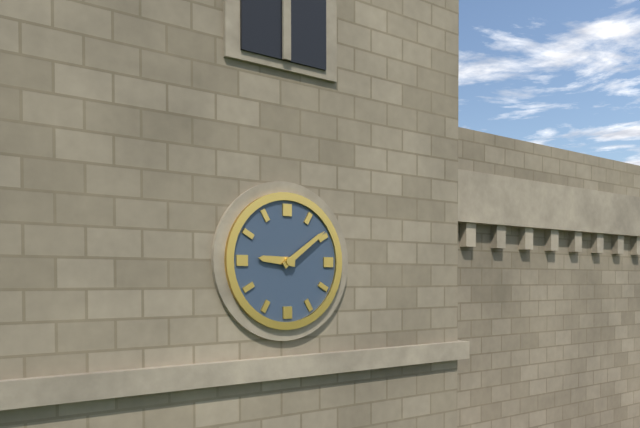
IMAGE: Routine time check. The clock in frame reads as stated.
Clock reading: 9:09
